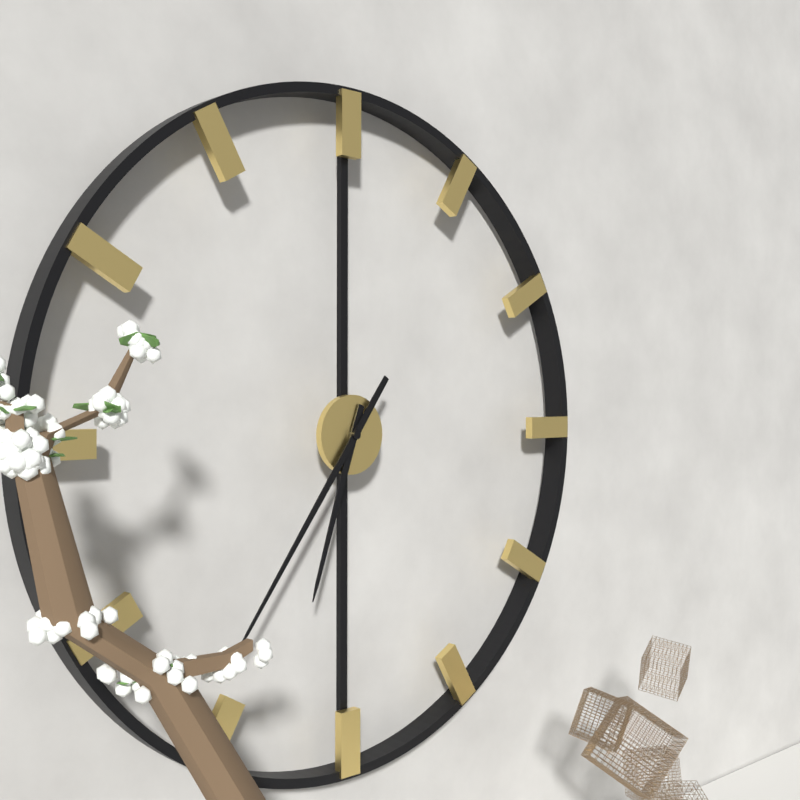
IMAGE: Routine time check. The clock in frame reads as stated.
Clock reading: 6:36
